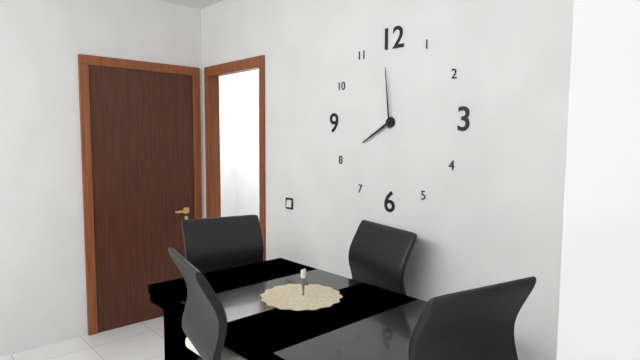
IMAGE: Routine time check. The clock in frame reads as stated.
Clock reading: 7:59
